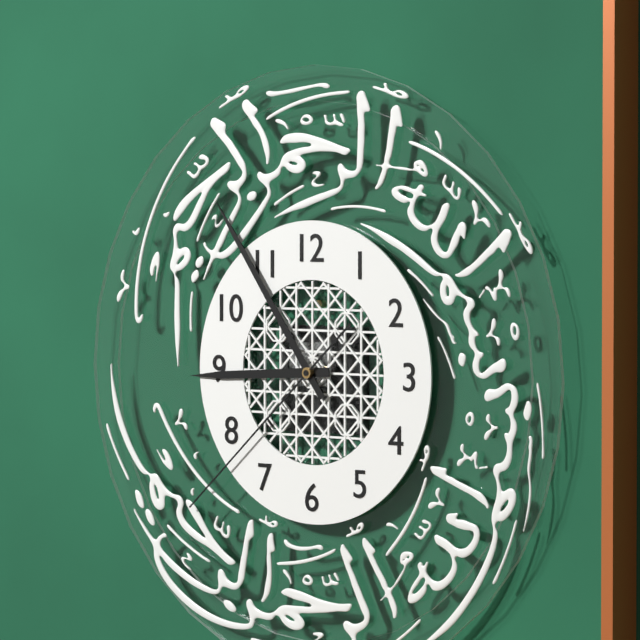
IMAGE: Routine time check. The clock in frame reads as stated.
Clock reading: 8:54:38
